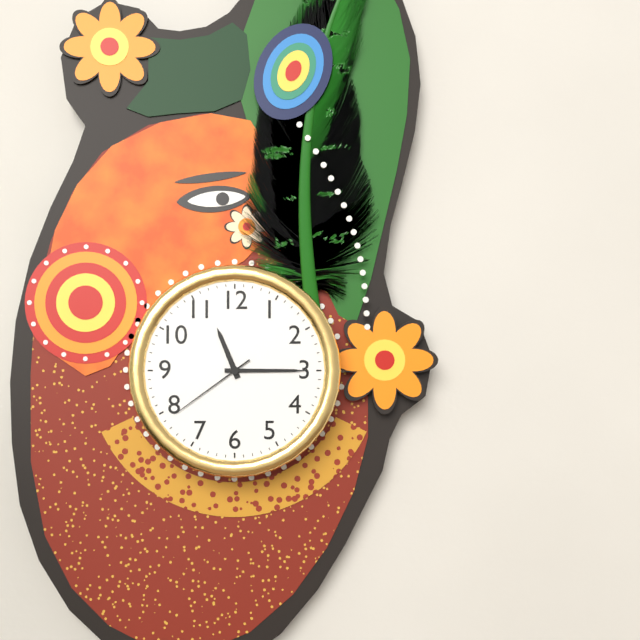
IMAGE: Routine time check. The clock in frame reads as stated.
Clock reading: 11:15:39
